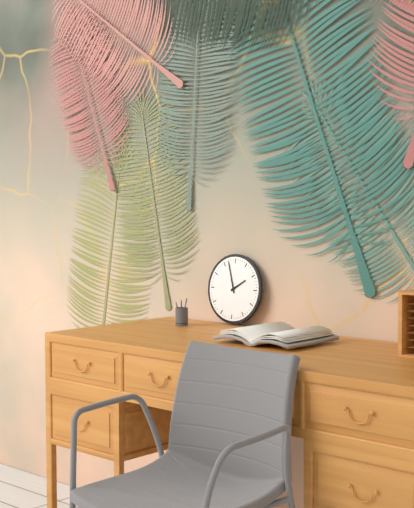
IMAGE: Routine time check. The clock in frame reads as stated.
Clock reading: 1:57
